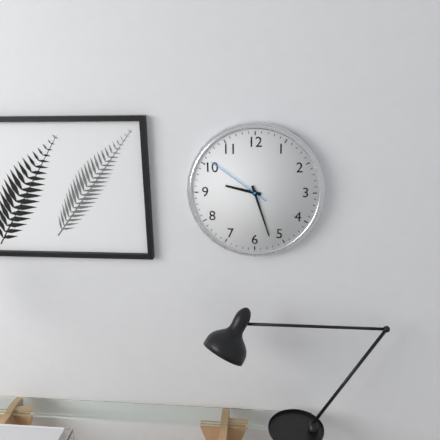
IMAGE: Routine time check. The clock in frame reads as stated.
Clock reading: 9:27:51
